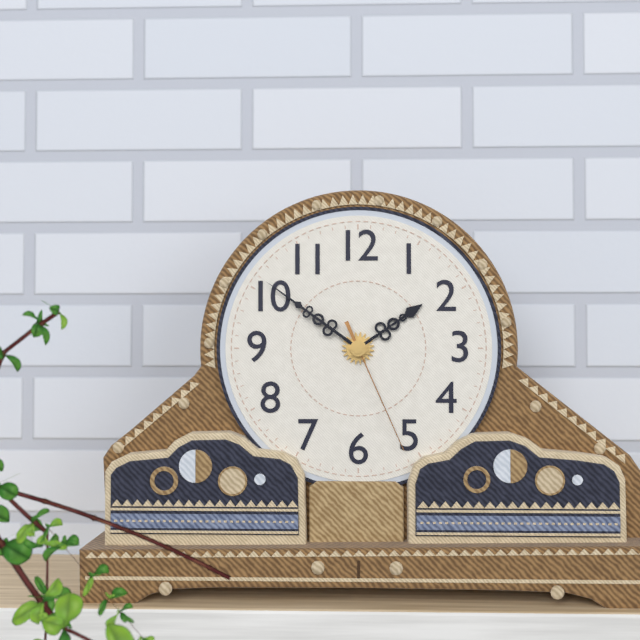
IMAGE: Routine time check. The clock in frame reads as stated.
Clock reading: 1:51:26
